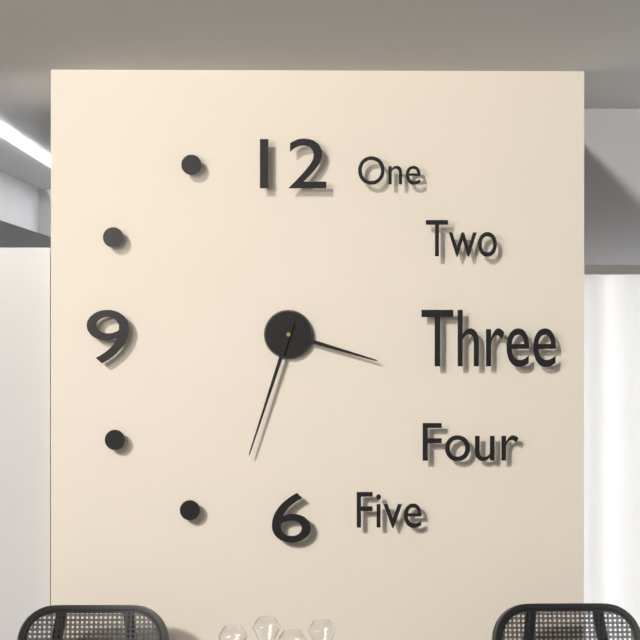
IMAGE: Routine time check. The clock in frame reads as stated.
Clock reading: 3:33
